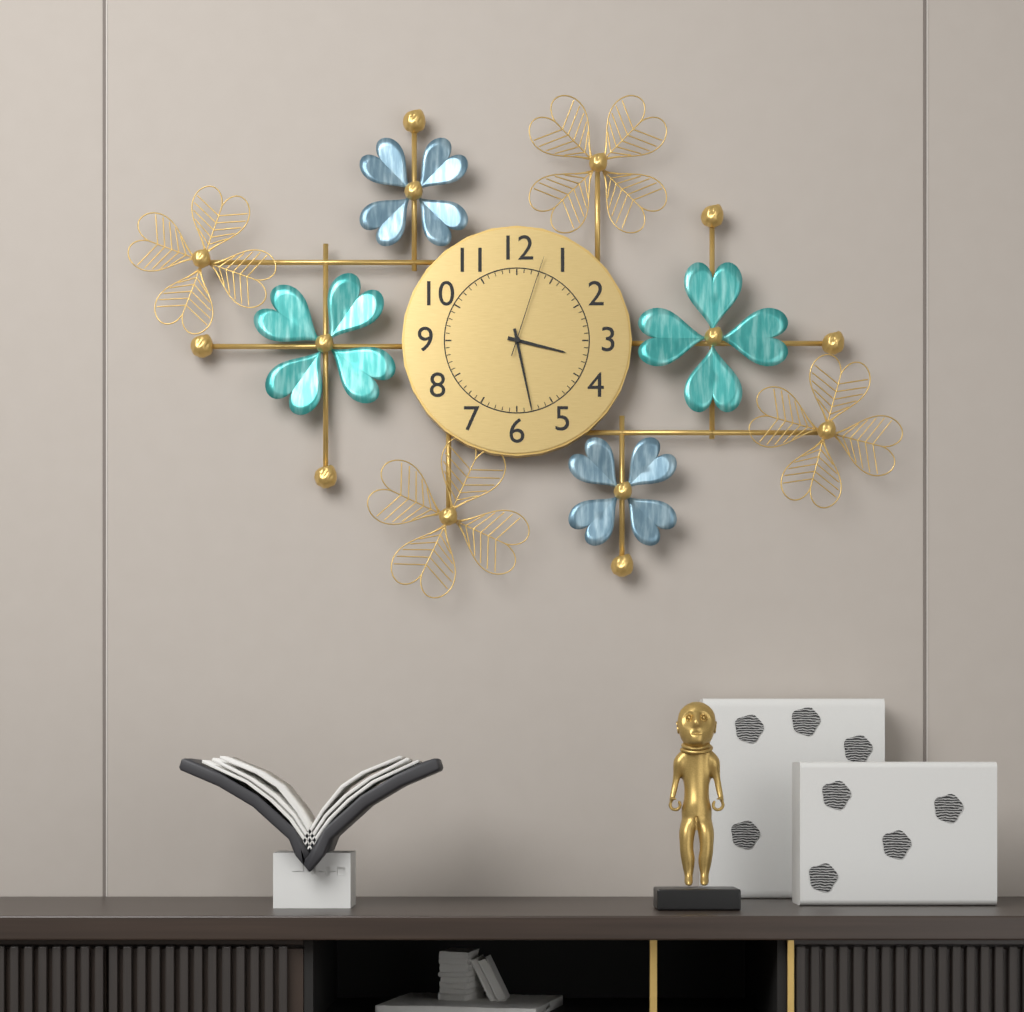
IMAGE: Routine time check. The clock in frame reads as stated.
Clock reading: 3:28:03
